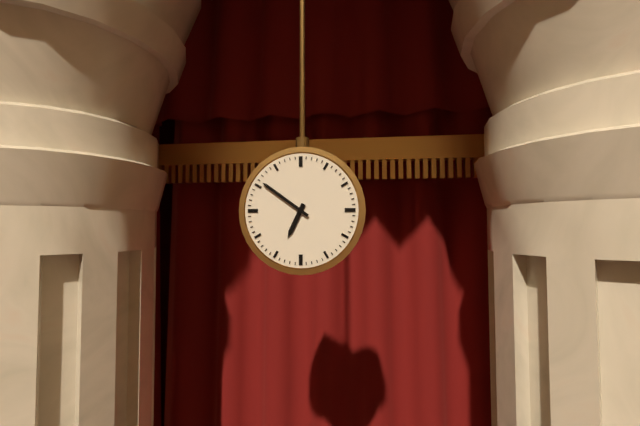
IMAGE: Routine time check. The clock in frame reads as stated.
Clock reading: 6:51
